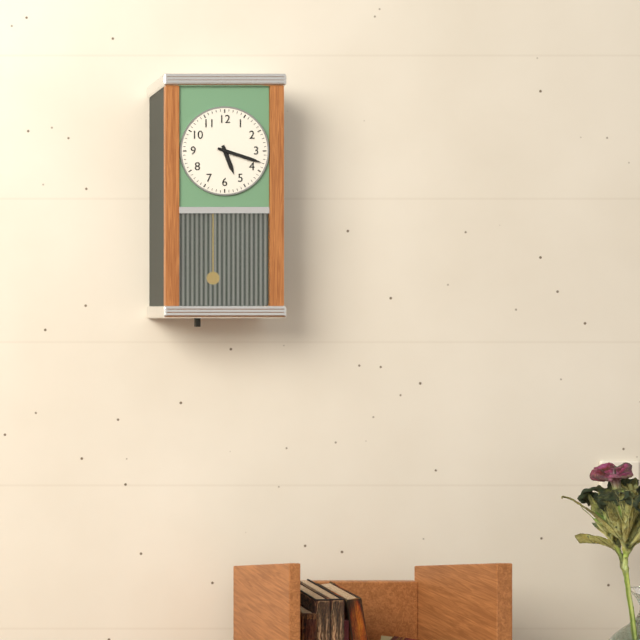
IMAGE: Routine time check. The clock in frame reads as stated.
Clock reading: 5:18
